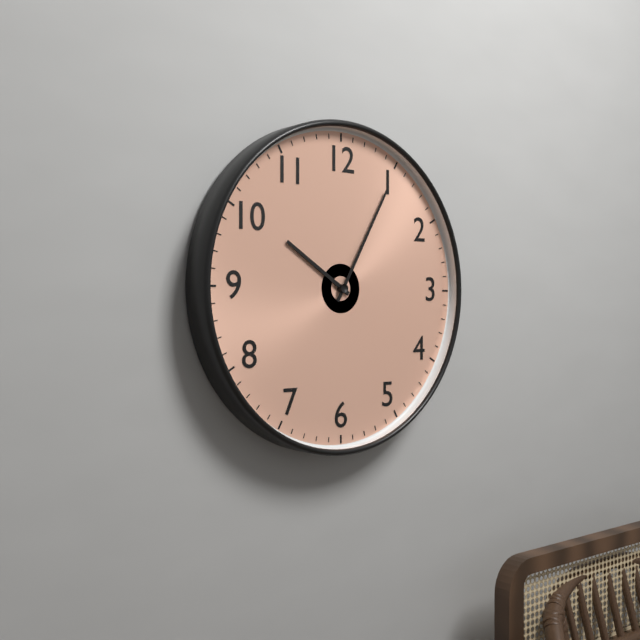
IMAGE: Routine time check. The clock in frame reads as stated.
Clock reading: 10:05
